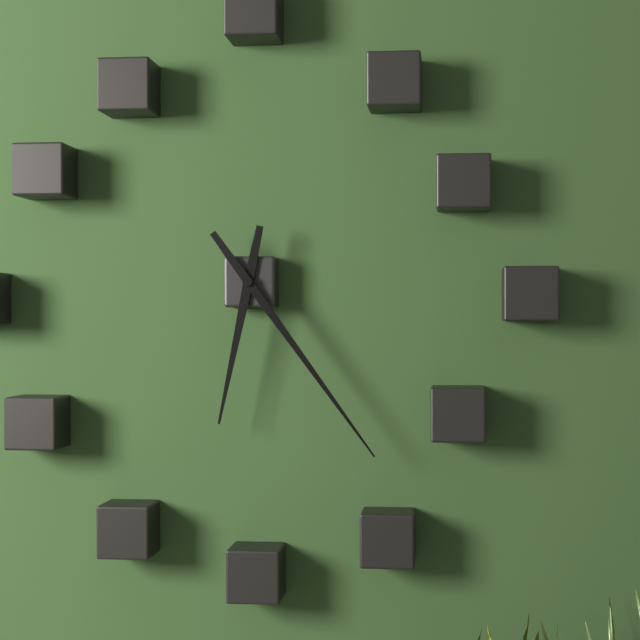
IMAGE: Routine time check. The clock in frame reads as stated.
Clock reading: 6:24
